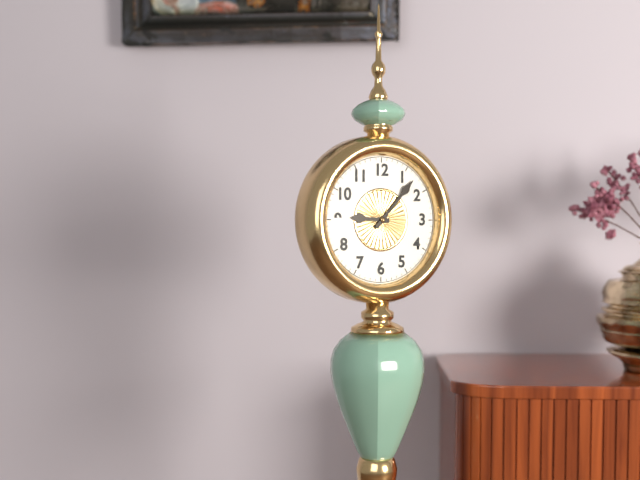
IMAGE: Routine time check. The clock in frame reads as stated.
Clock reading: 9:07
